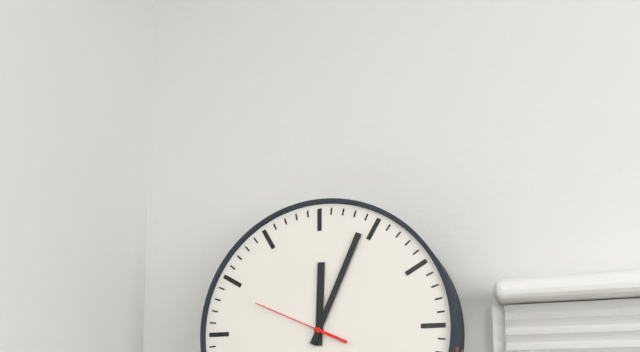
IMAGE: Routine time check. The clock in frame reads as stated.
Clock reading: 12:04:49
